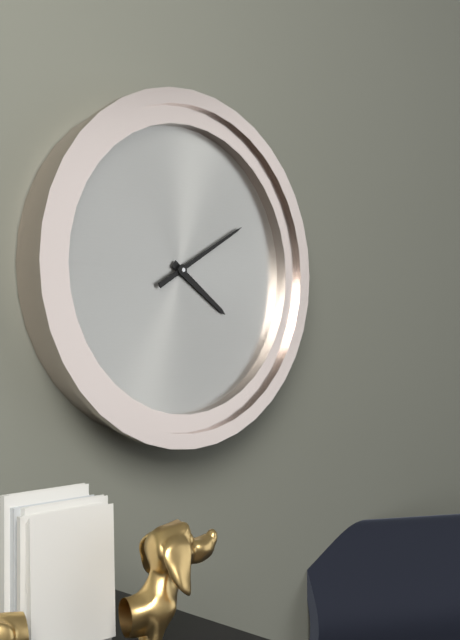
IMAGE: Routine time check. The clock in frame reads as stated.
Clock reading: 4:10
